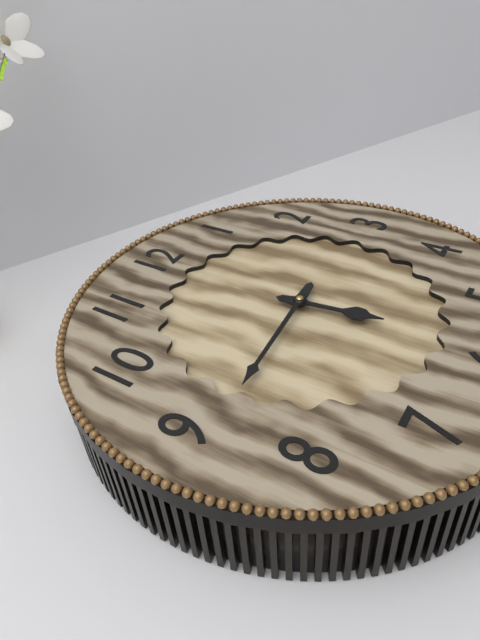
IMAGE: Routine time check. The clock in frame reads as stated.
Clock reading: 5:44
